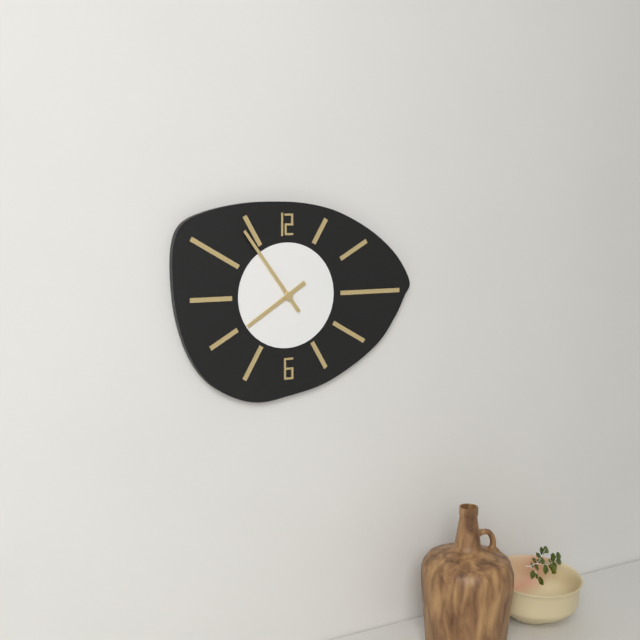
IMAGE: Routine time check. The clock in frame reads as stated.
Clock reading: 7:54
